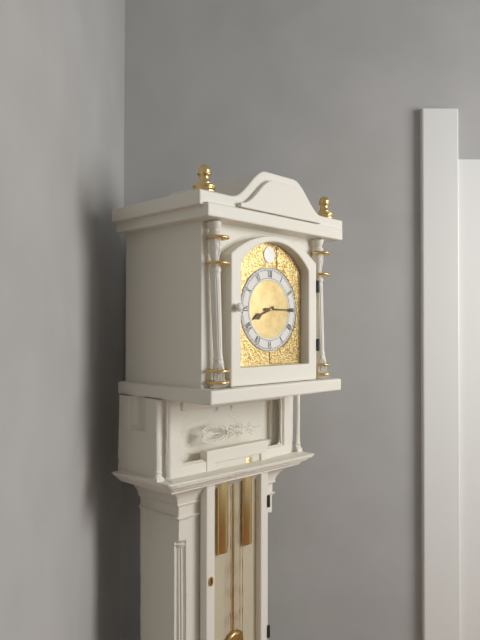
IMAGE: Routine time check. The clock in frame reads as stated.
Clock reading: 8:15
